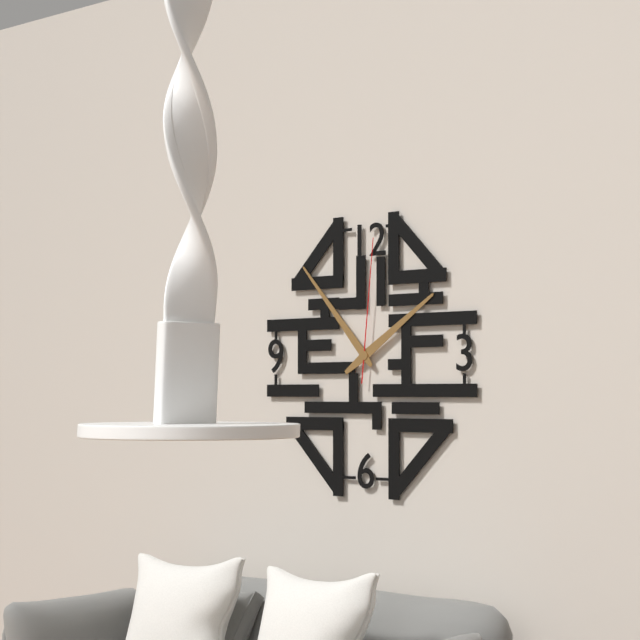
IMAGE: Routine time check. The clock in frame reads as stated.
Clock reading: 1:53:01
